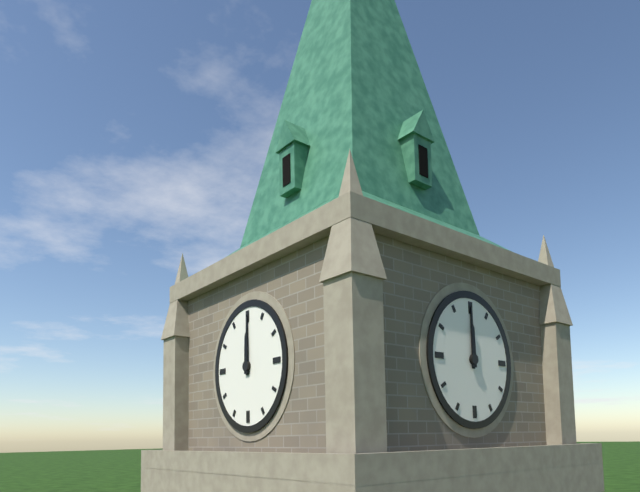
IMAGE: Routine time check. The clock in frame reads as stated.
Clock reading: 12:00
